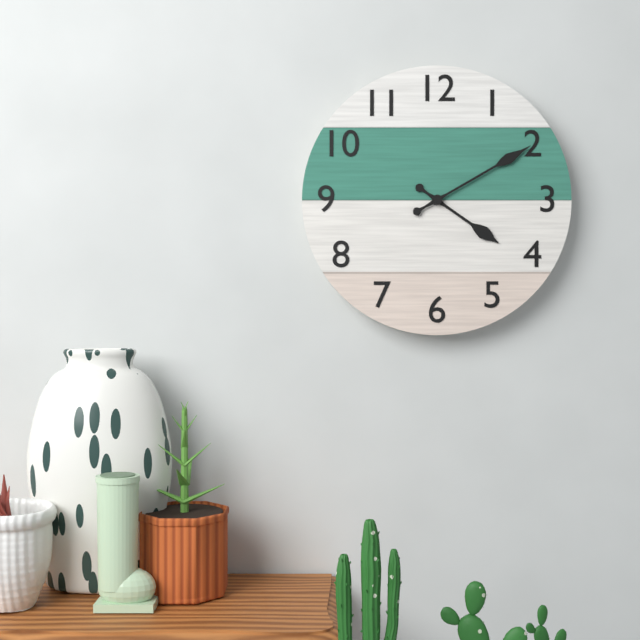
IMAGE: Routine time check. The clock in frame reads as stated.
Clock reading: 4:10
